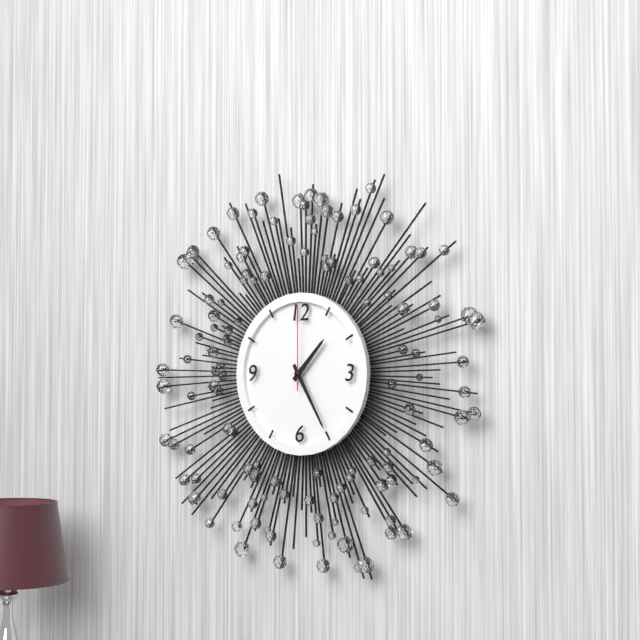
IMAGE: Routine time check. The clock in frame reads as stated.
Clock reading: 1:25:00
